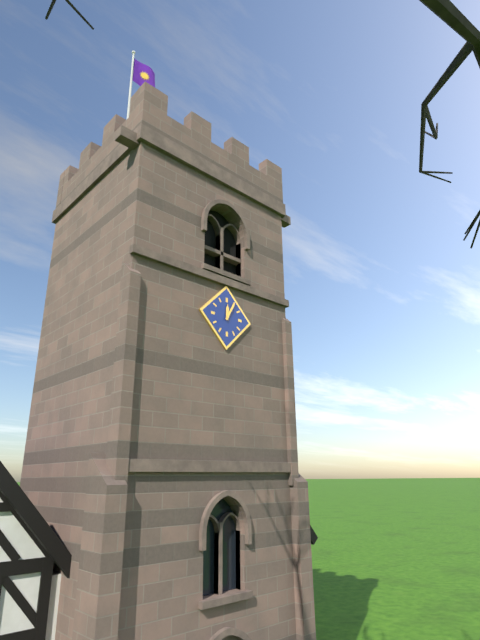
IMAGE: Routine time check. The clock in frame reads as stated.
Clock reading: 12:05
